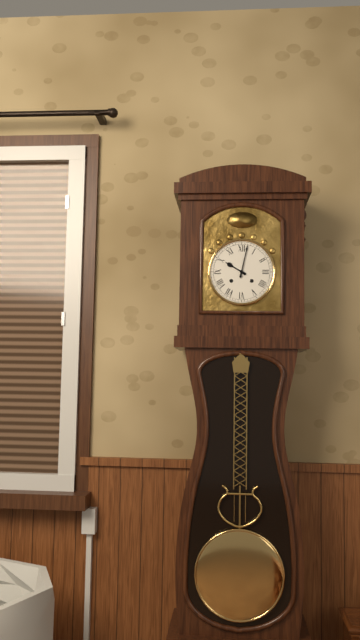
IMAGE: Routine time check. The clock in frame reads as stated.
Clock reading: 10:02
